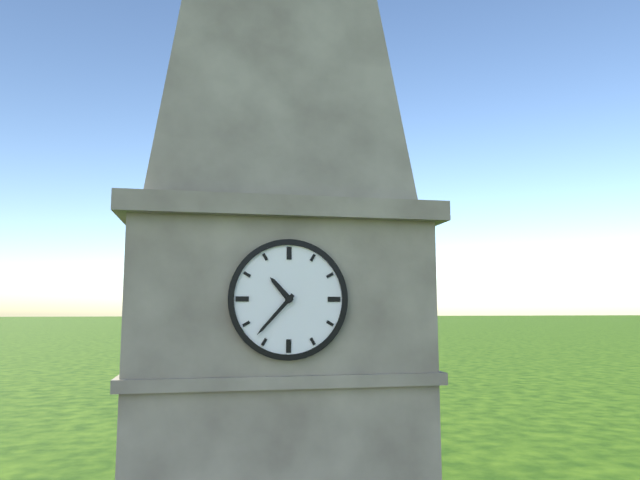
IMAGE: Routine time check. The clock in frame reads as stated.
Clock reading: 10:37
